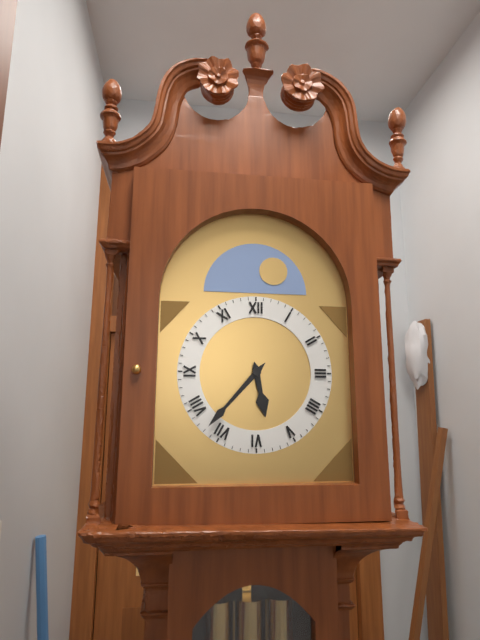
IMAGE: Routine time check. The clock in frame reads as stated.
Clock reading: 5:37
